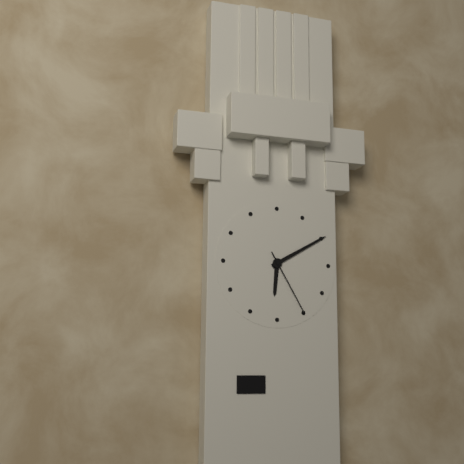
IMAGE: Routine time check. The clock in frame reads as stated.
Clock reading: 6:10:25
